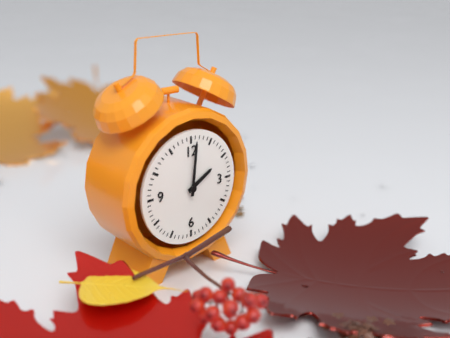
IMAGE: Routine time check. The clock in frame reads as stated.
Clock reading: 2:01
